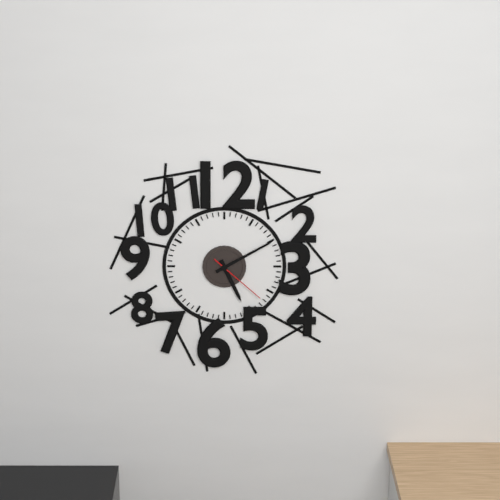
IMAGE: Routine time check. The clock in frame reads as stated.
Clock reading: 5:10:22
